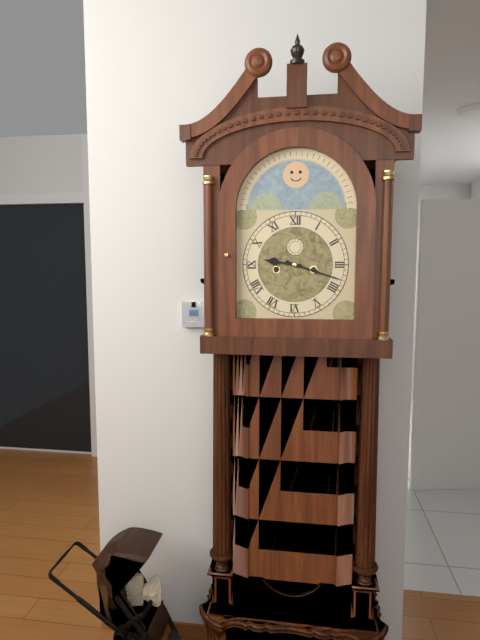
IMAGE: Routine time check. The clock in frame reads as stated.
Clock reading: 9:18
